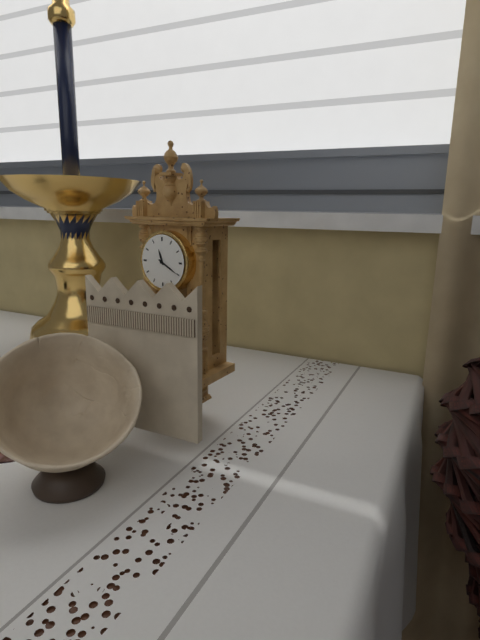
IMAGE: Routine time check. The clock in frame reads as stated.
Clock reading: 11:20
